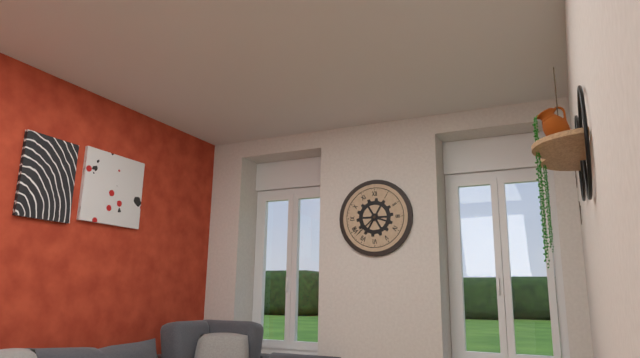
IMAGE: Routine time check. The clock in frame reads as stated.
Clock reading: 3:38
